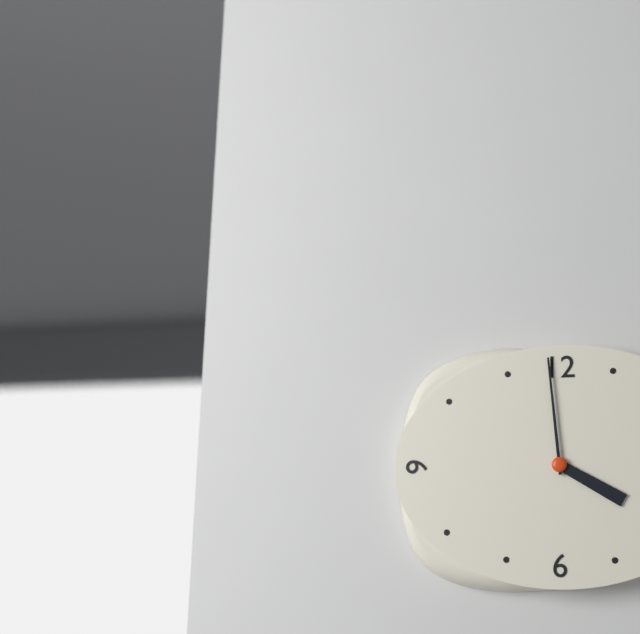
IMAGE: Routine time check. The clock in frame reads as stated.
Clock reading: 3:59
